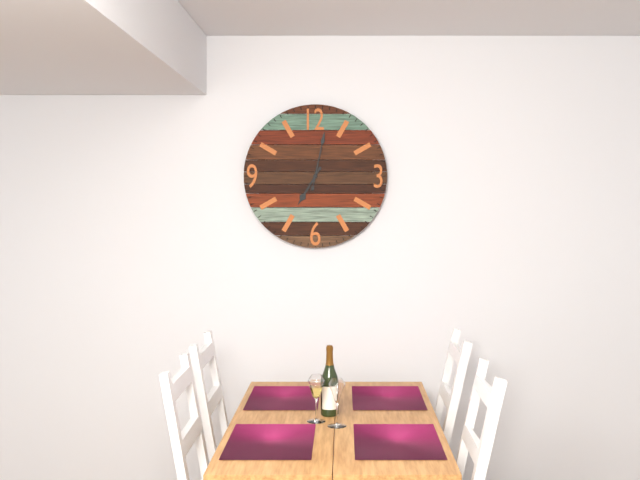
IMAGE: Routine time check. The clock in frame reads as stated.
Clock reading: 7:02
